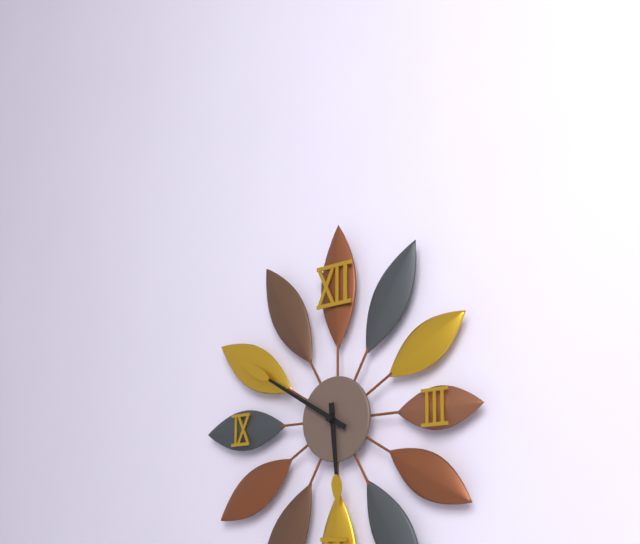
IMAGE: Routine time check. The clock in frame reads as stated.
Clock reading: 5:50
